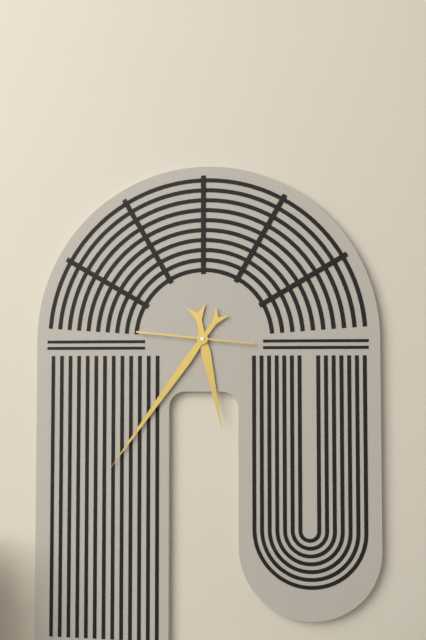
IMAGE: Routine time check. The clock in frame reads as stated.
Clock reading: 5:36:46
